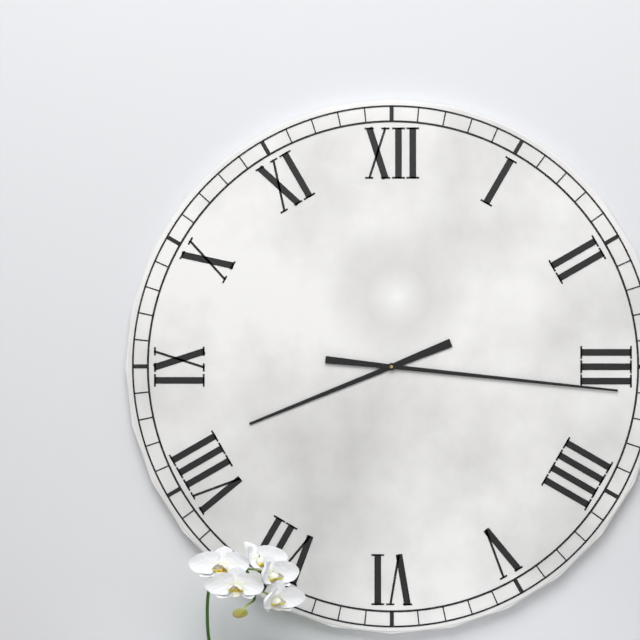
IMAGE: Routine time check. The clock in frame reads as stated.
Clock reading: 8:16
